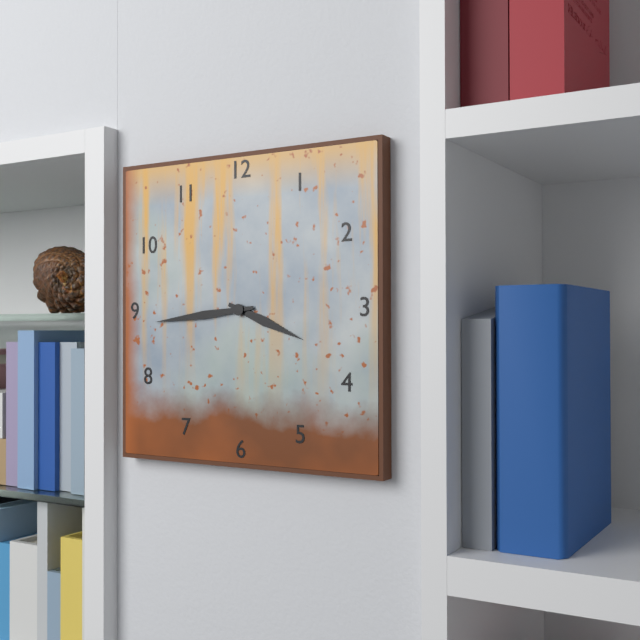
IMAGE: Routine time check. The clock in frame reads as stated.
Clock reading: 3:44
